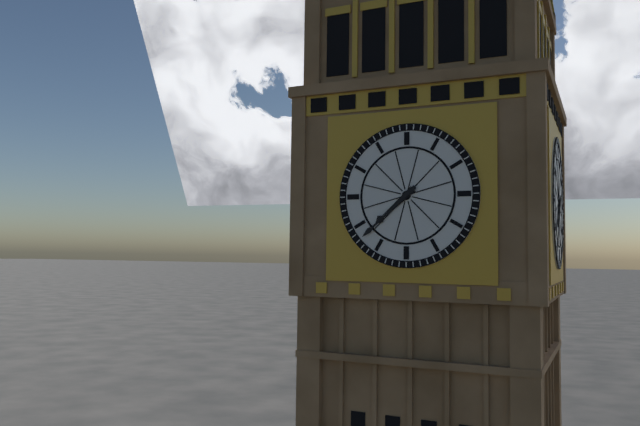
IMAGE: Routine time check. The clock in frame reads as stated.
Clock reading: 7:38
